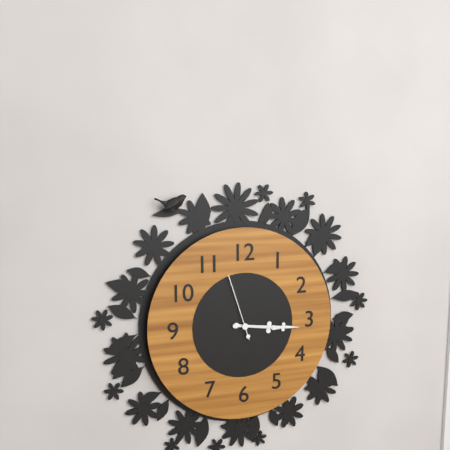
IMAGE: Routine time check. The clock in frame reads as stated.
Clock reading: 3:16:57
